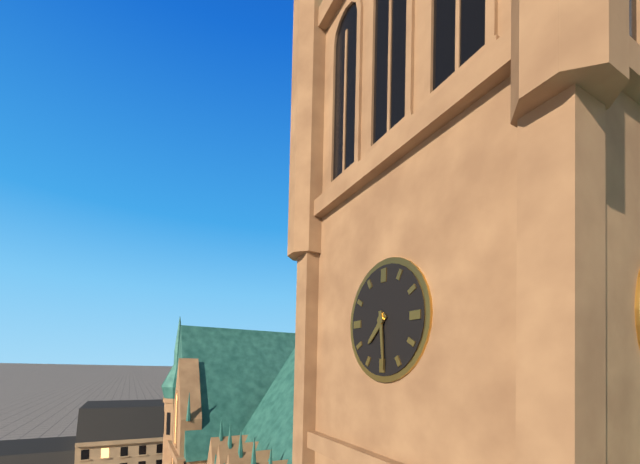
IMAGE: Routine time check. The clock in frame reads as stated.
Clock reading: 7:29
